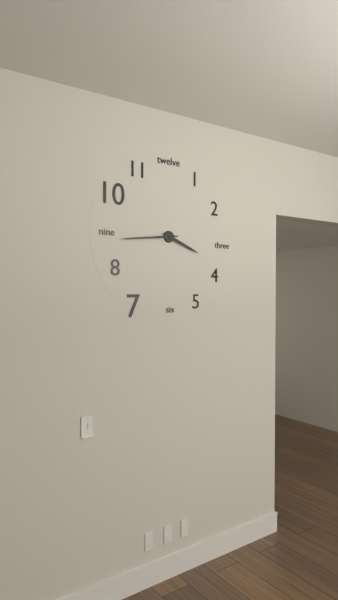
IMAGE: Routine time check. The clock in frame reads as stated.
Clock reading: 3:44
